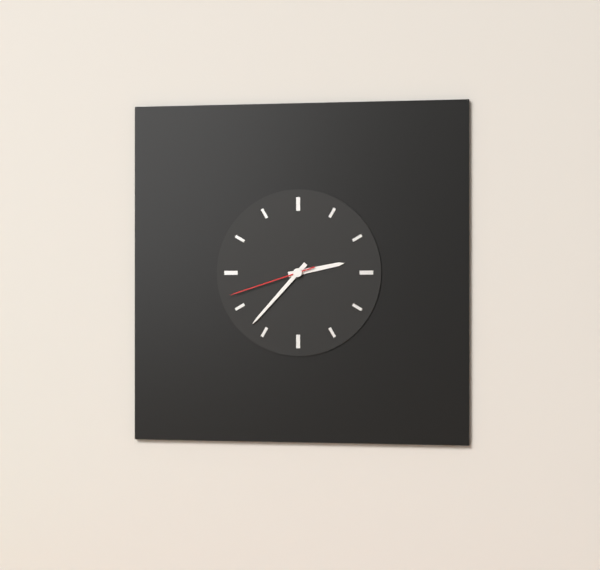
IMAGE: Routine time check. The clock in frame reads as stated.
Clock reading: 2:37:42
